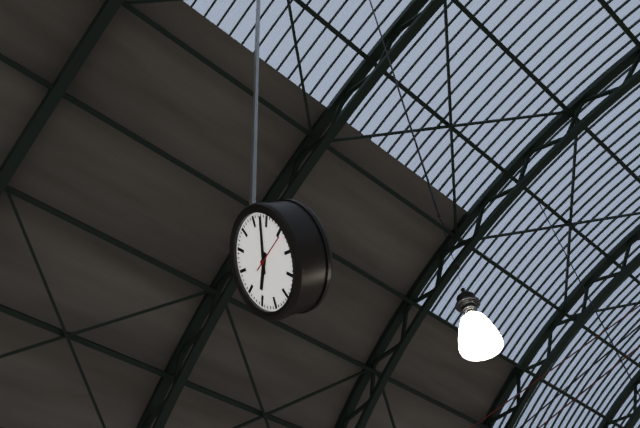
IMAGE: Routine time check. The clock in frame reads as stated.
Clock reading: 8:08
